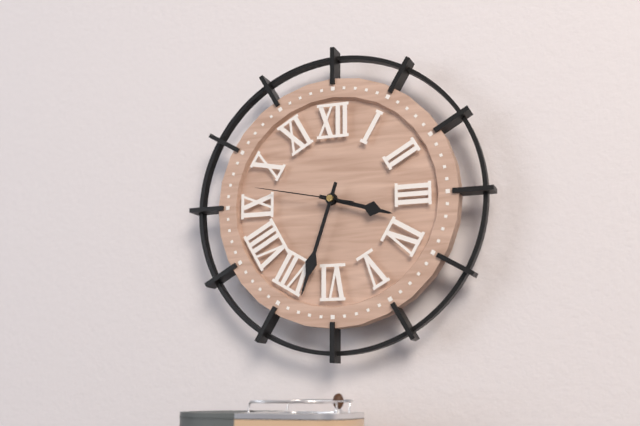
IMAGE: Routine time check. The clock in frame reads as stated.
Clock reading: 3:33:47
